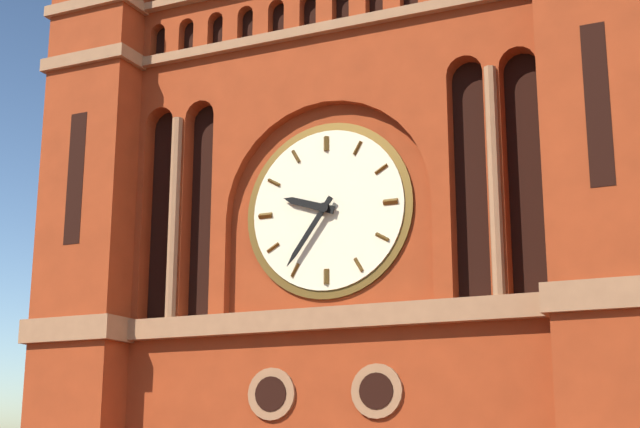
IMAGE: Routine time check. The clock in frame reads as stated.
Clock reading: 9:36
